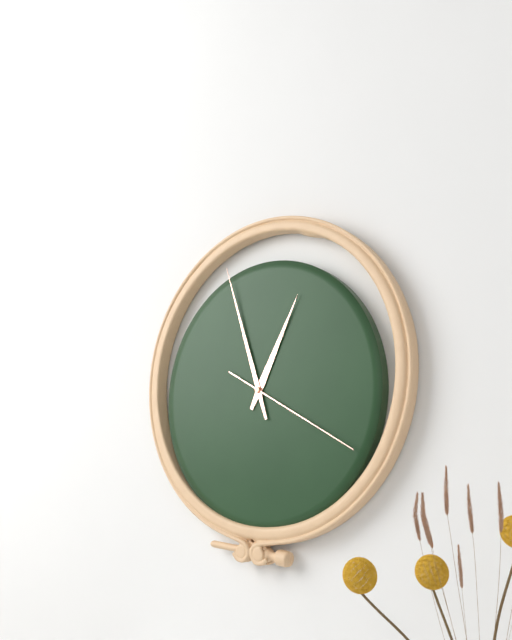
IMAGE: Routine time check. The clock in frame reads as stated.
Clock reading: 12:57:20
